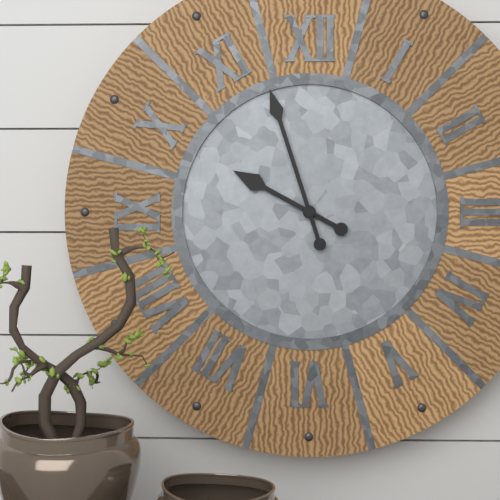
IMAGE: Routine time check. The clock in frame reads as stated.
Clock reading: 9:57
